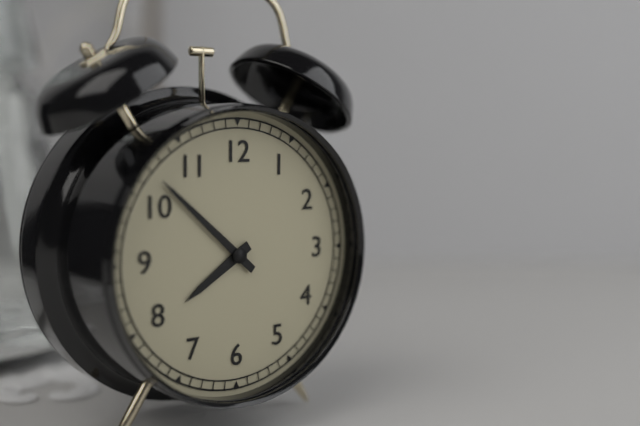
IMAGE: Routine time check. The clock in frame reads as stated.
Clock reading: 7:52
